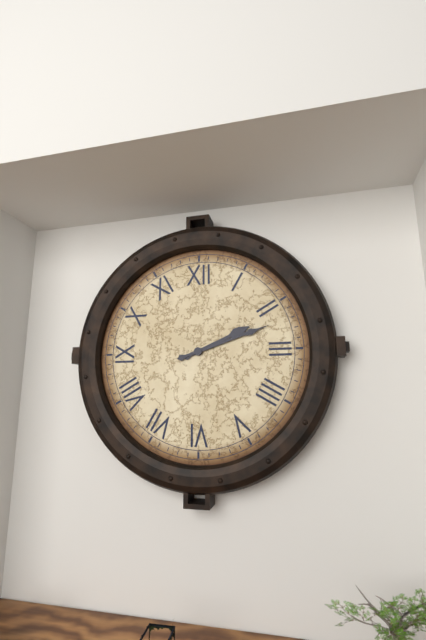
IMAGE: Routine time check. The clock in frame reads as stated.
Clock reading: 2:12
